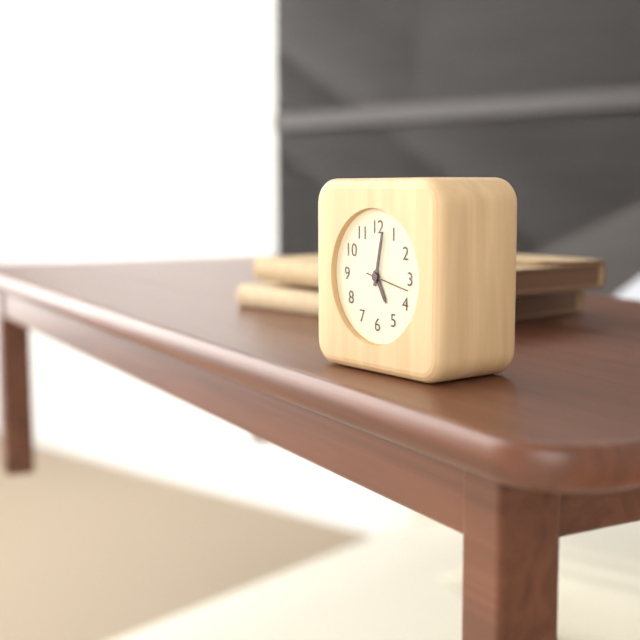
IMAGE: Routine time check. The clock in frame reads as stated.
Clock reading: 5:02
